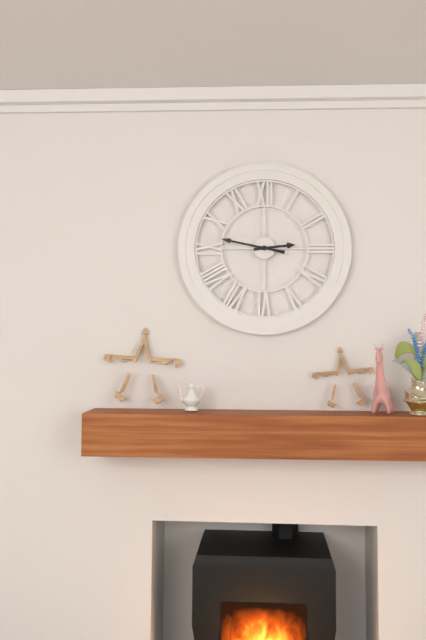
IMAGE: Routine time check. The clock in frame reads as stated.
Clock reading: 2:47
